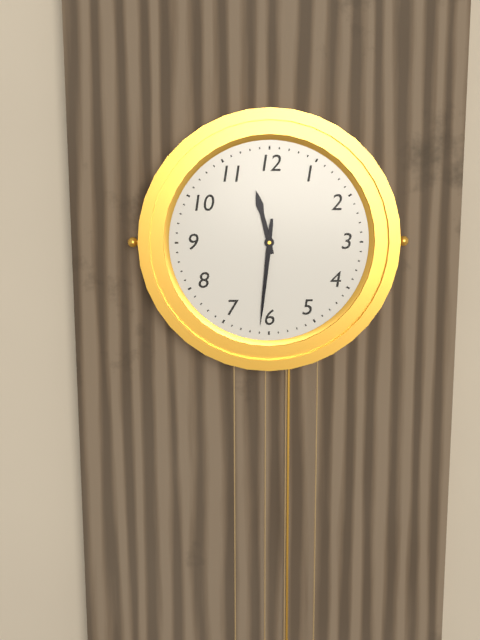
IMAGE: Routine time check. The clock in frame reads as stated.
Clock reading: 11:31
